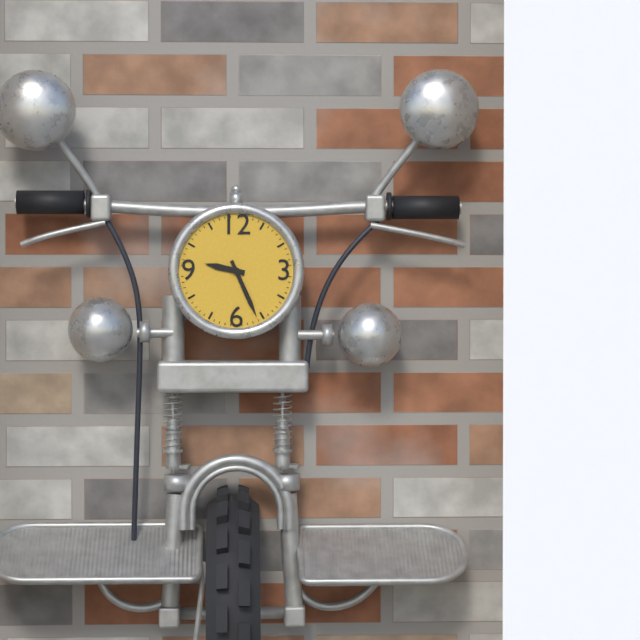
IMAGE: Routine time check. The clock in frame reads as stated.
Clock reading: 9:26
